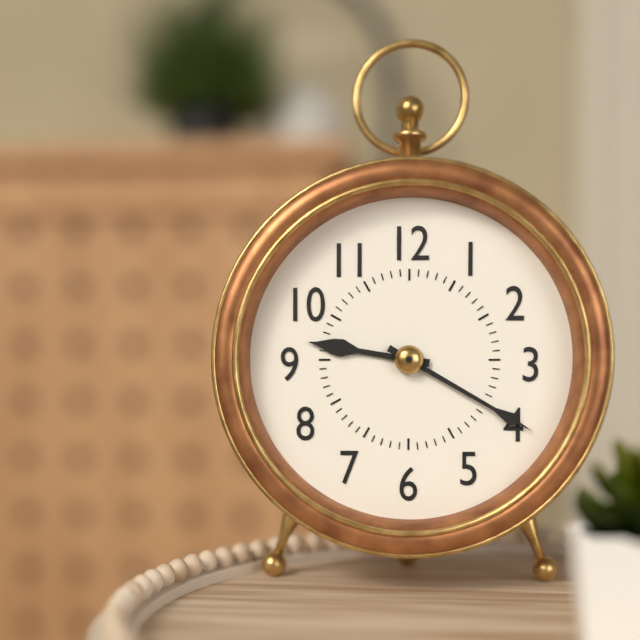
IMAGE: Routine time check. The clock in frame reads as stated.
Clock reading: 9:20
